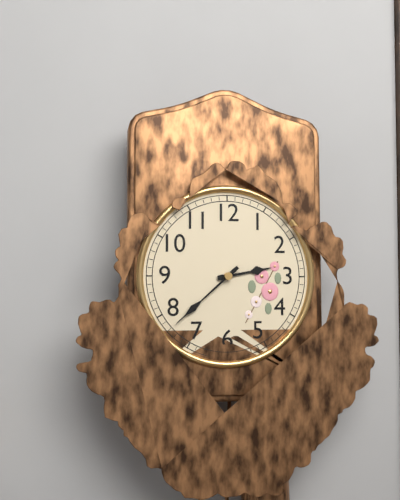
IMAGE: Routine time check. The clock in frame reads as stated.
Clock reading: 2:38
